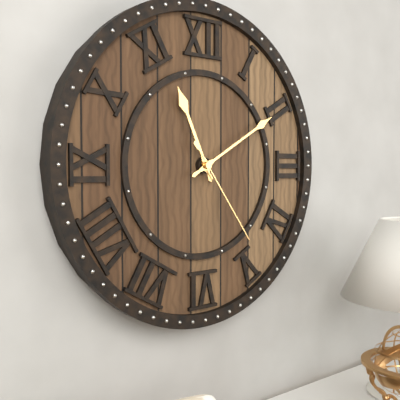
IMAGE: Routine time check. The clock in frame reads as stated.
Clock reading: 11:10:24
